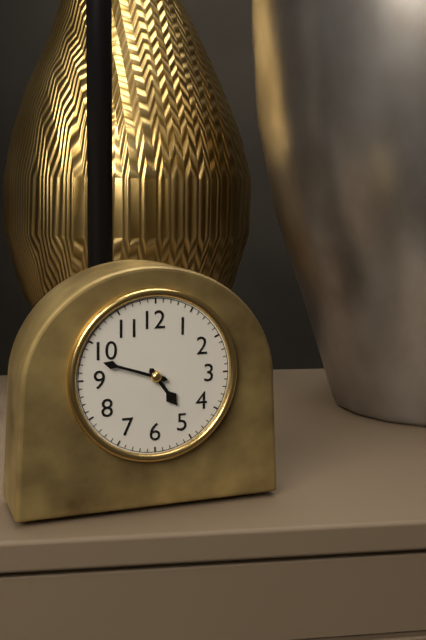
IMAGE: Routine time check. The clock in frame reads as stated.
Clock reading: 4:48
